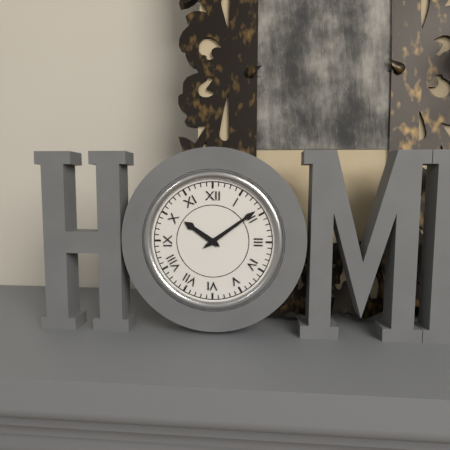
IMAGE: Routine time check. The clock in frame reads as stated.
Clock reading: 10:09
